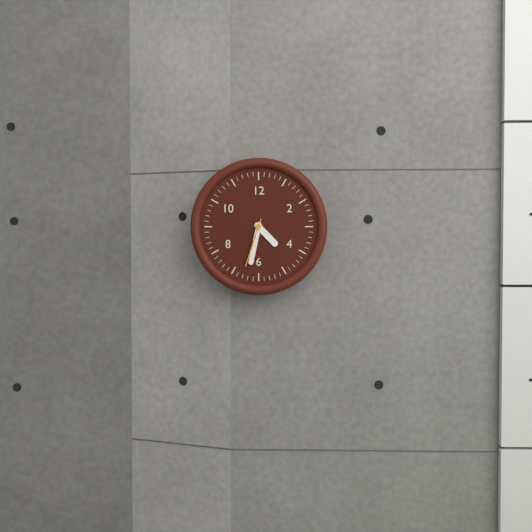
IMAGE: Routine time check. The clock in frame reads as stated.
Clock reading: 4:32:33
